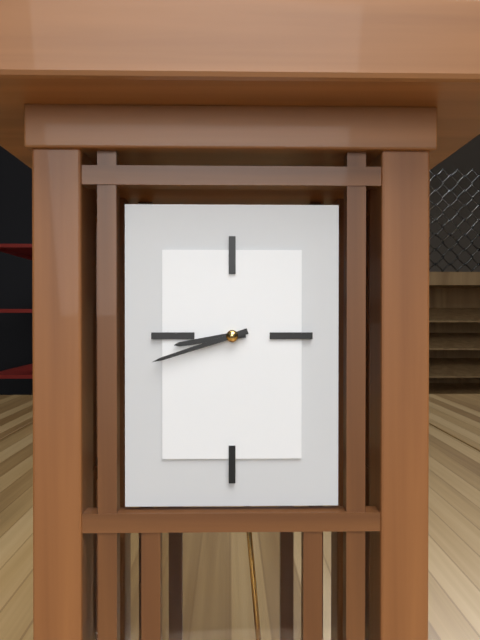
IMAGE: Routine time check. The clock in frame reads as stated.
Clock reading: 8:42
